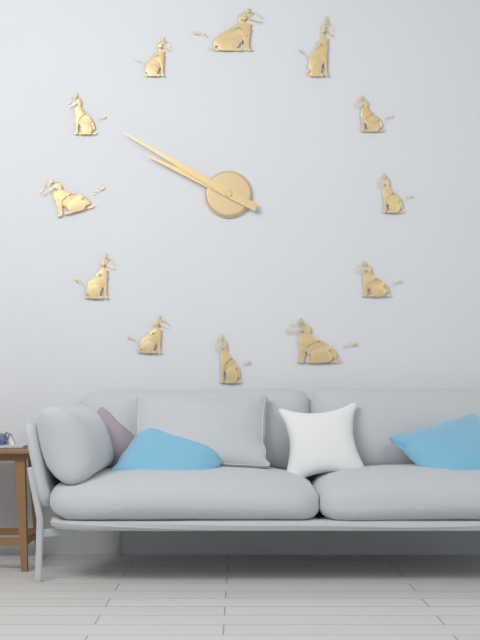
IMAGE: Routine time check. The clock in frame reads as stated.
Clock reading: 9:50
